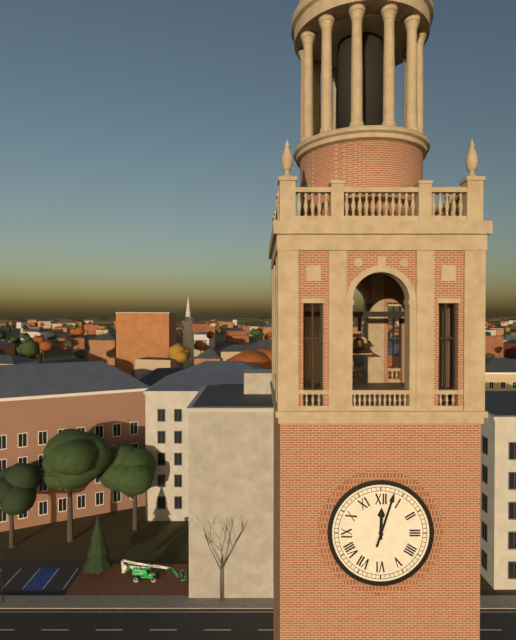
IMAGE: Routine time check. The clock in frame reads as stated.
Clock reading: 12:03
